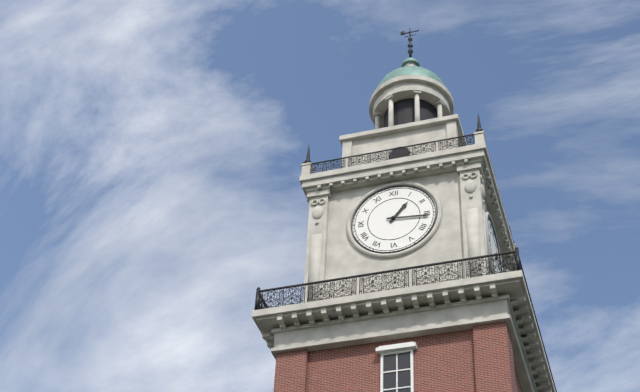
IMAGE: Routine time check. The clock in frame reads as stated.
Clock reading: 1:16
